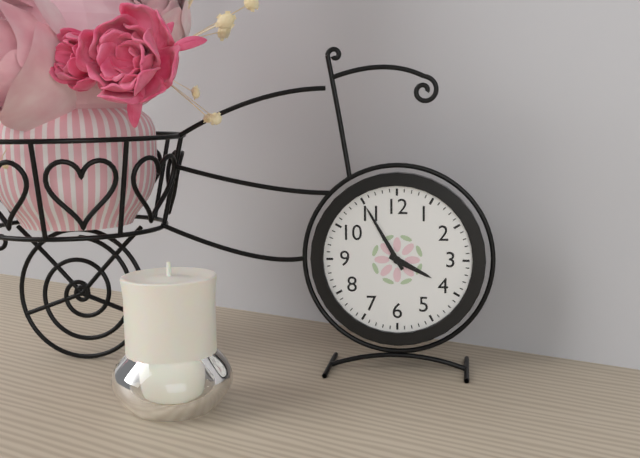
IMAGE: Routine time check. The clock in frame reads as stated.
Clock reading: 3:55
